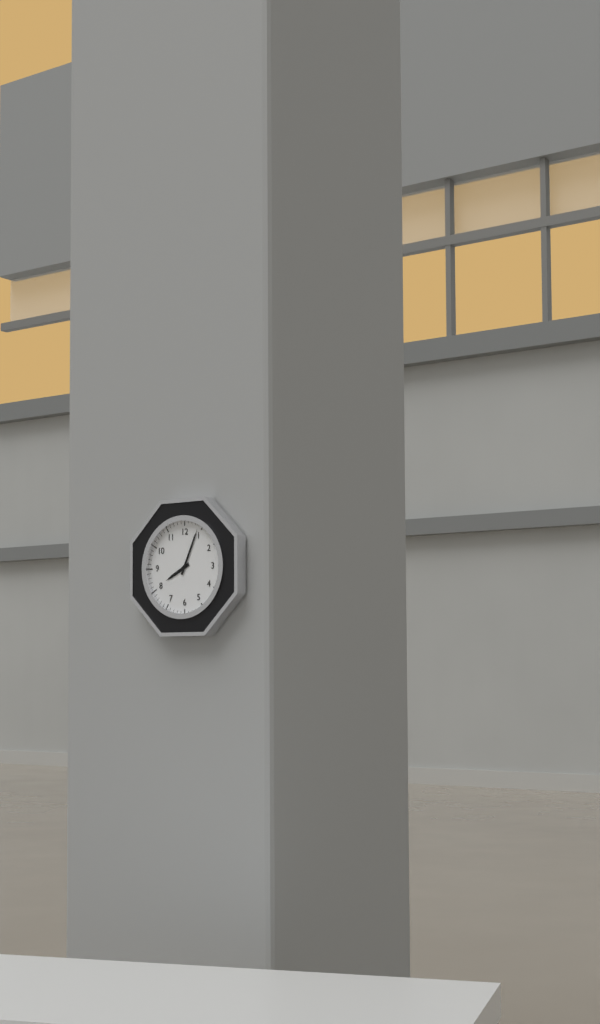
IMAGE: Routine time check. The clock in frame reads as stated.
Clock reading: 8:04
